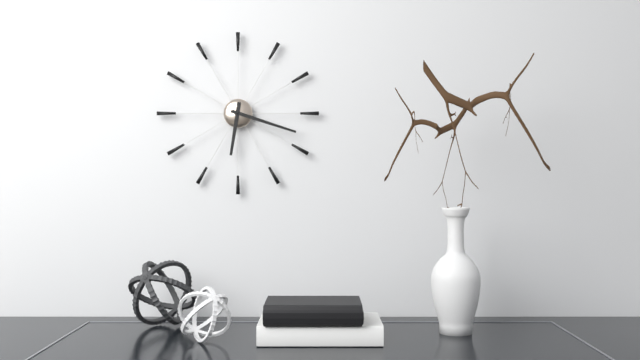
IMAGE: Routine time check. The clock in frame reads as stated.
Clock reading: 6:18
